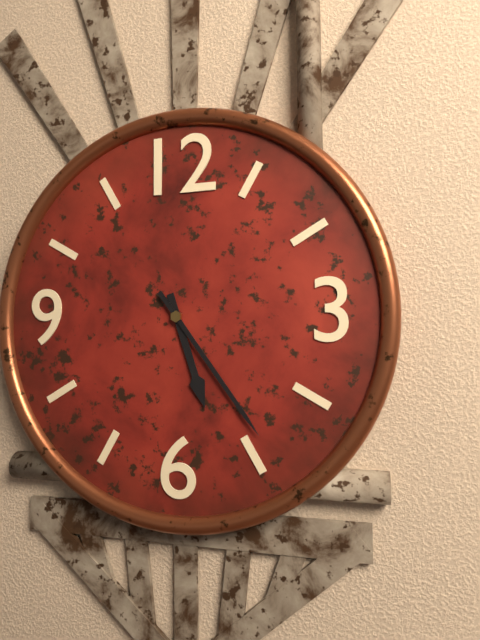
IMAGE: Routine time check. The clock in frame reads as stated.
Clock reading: 5:24
